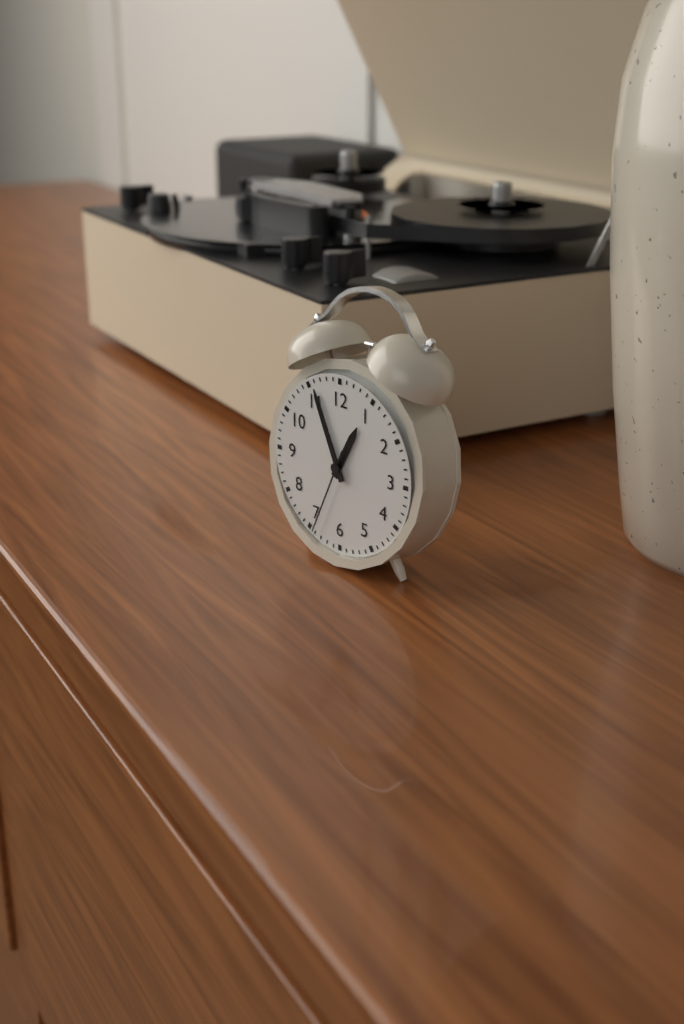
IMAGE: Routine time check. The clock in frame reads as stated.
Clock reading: 12:56:34
